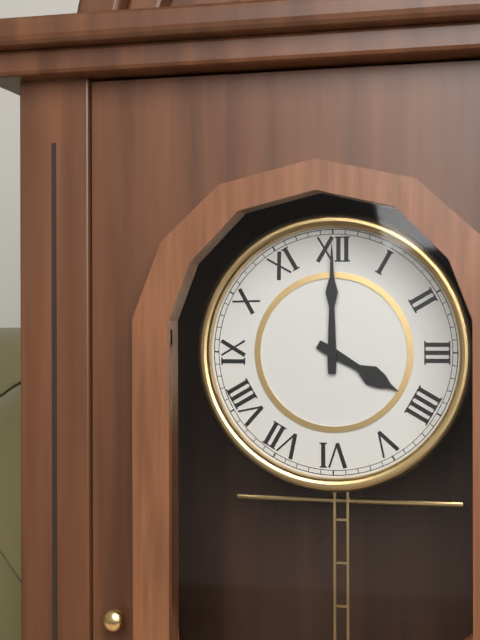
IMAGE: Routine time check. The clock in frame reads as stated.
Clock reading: 4:00
